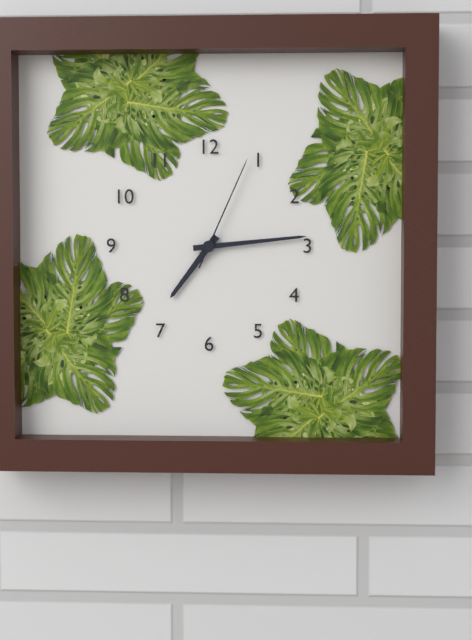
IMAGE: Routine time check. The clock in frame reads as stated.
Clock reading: 7:14:04
